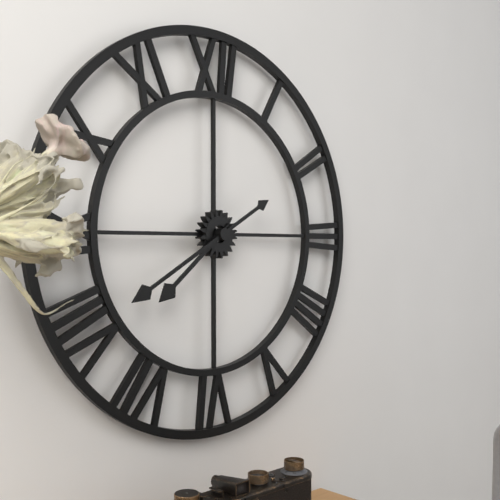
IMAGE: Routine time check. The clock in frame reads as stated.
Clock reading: 7:40
